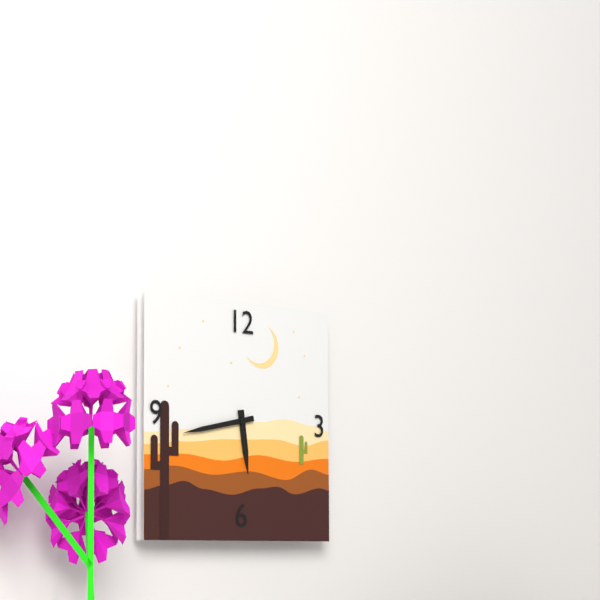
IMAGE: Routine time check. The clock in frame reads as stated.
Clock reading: 5:43
